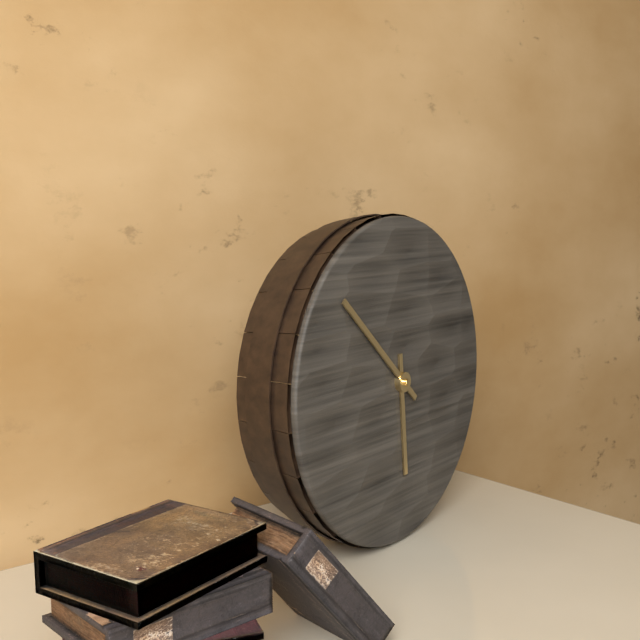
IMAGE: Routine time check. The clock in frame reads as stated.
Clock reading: 5:52
